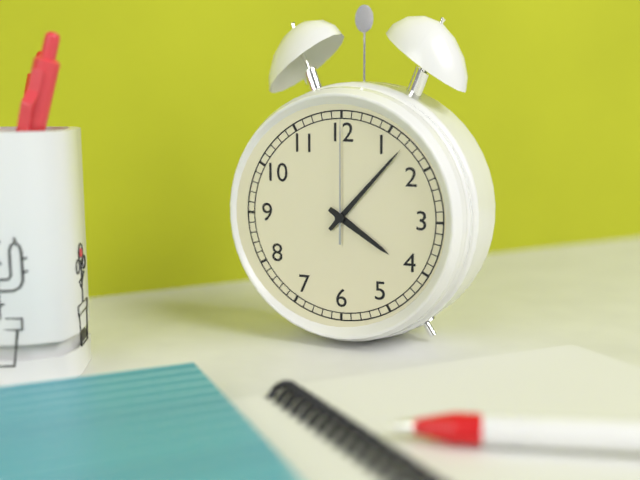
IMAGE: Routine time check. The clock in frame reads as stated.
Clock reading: 4:07:00
